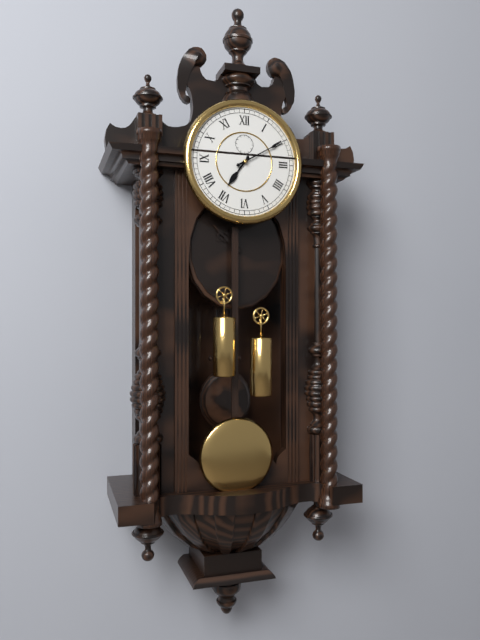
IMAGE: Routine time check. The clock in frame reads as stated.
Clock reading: 7:10
